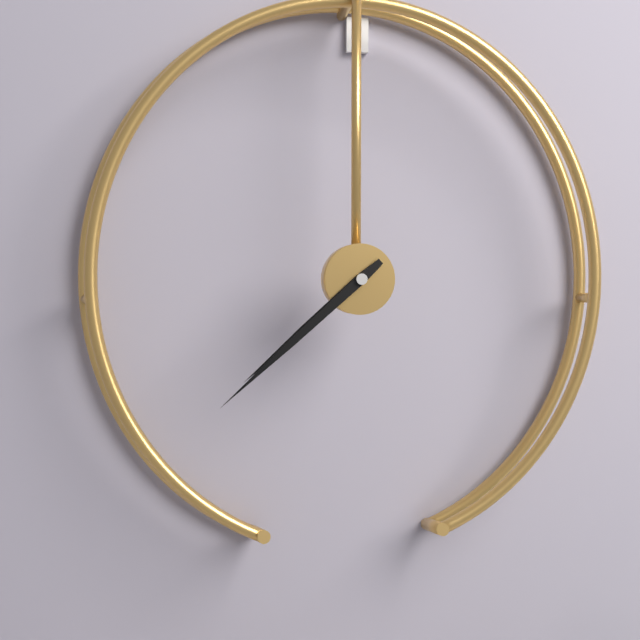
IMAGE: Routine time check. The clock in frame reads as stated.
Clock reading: 7:38
